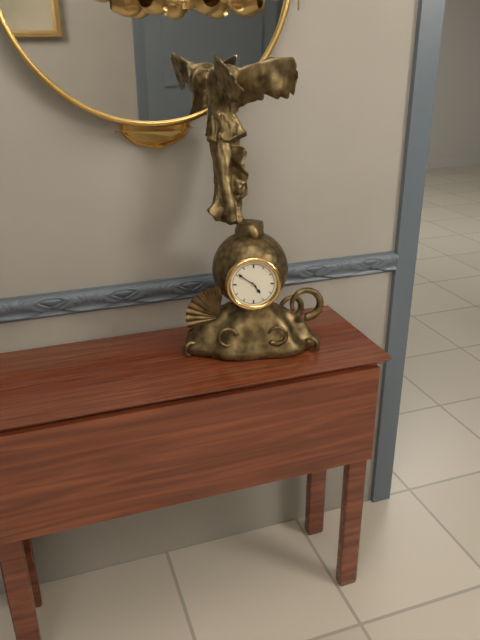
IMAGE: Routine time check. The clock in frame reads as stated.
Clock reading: 4:51
